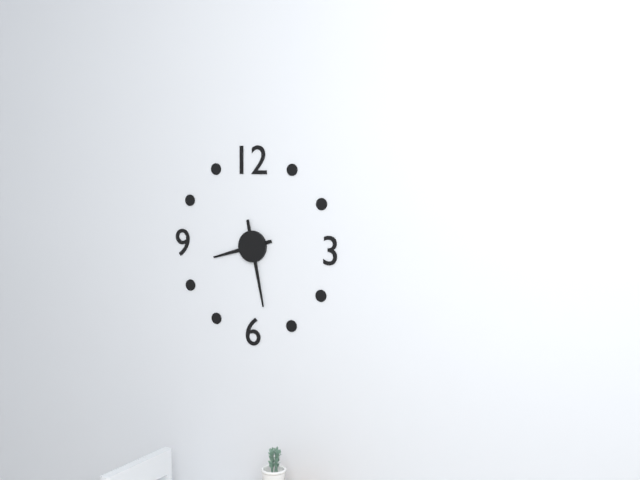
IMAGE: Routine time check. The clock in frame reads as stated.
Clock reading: 8:28
